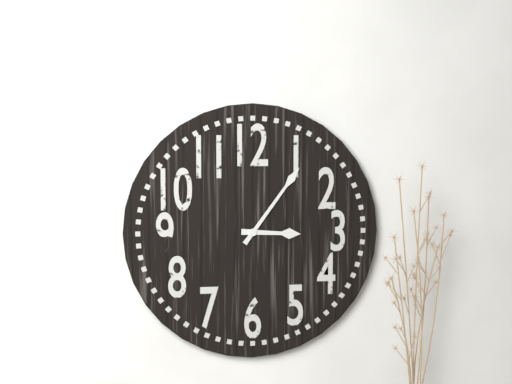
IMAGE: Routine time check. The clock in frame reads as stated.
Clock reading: 3:06
